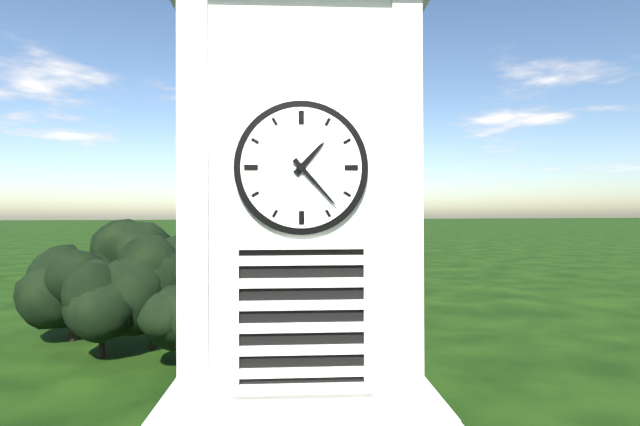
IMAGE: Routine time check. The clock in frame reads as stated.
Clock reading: 1:23
